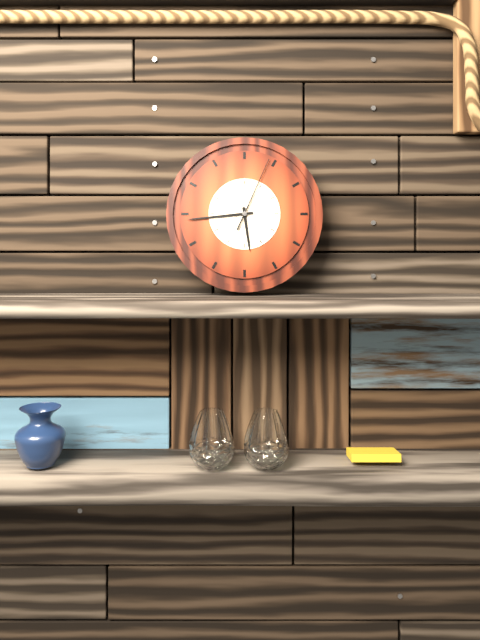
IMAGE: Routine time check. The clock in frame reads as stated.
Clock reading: 5:44:04
